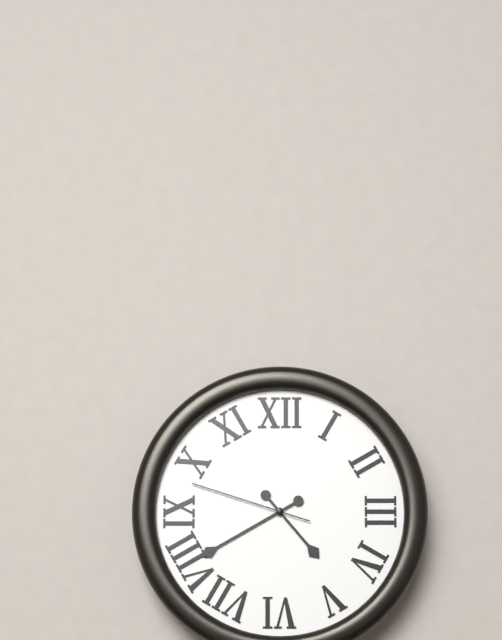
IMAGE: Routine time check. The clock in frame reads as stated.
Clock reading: 4:40:48
